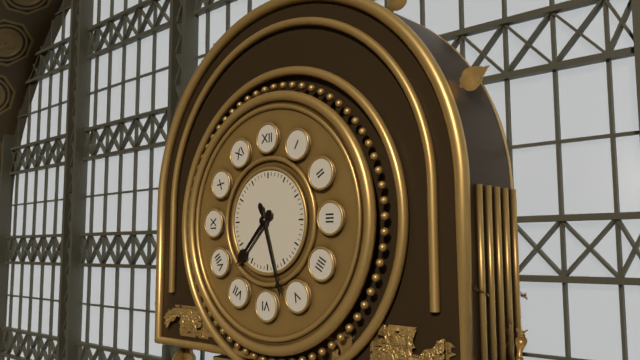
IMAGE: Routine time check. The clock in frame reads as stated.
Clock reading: 7:27
